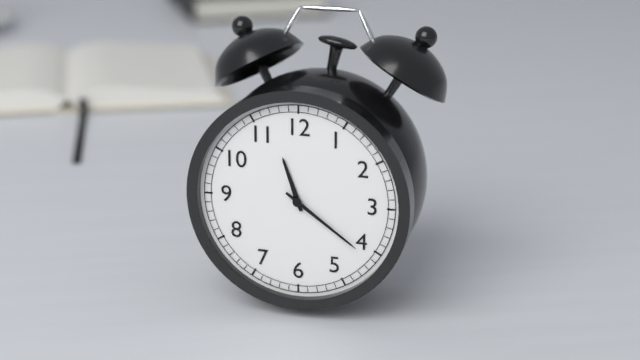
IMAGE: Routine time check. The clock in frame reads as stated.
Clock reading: 11:21
